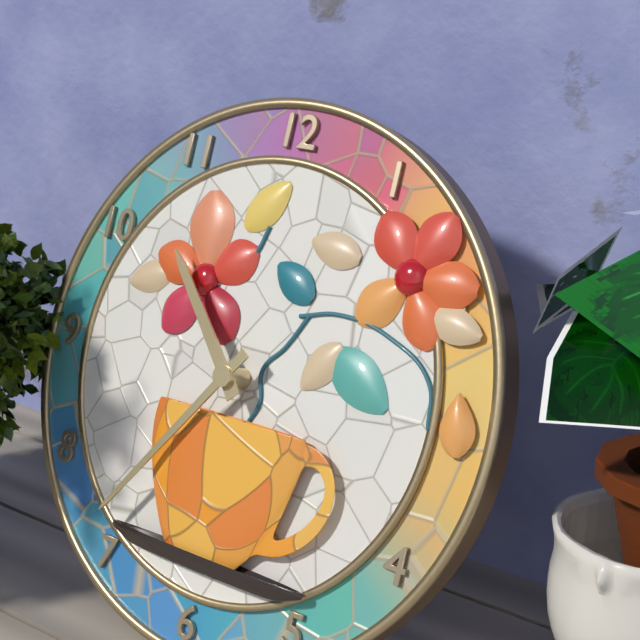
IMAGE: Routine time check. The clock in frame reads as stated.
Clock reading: 10:36
